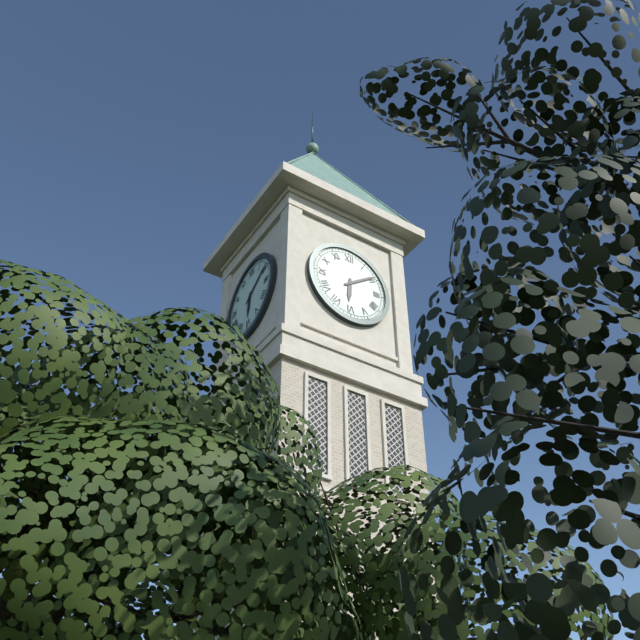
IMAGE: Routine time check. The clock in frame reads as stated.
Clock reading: 6:09
